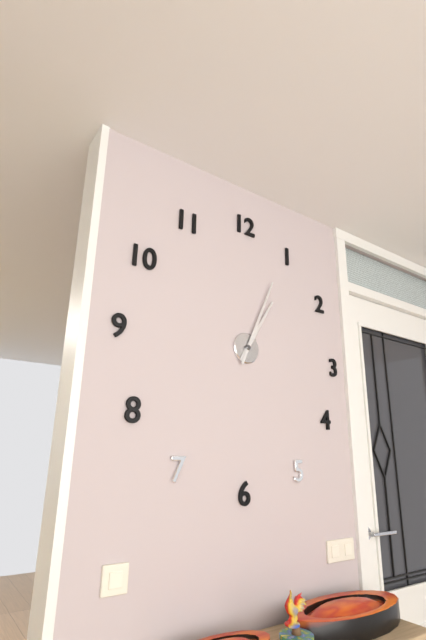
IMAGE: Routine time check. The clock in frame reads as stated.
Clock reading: 1:04
